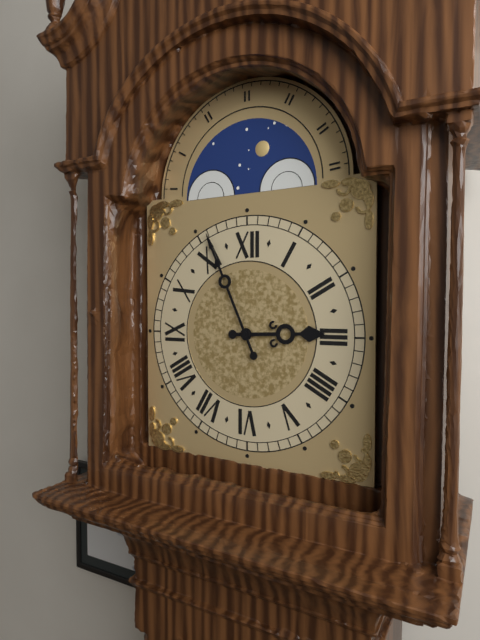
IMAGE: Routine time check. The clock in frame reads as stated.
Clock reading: 2:56
